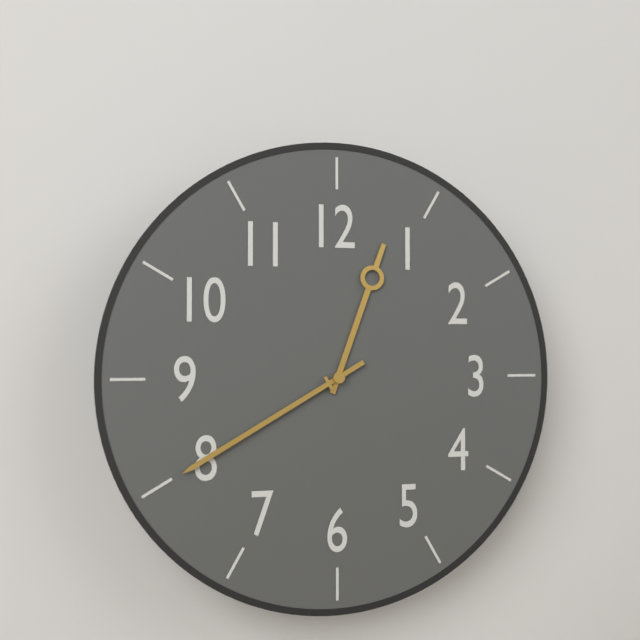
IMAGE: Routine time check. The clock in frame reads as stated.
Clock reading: 12:40
